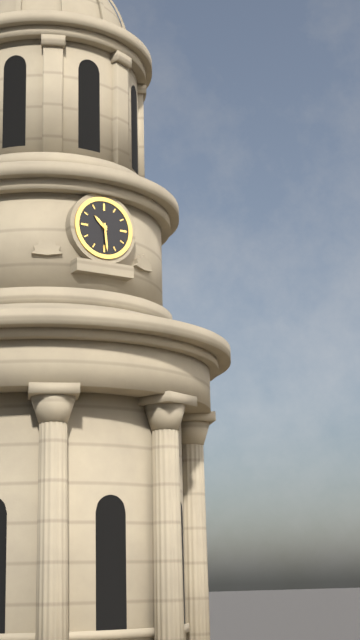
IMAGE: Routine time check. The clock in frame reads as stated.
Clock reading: 10:29
